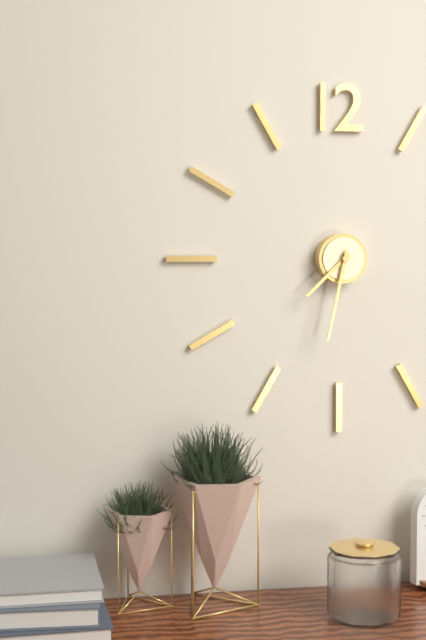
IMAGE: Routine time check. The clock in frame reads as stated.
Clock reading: 7:32
